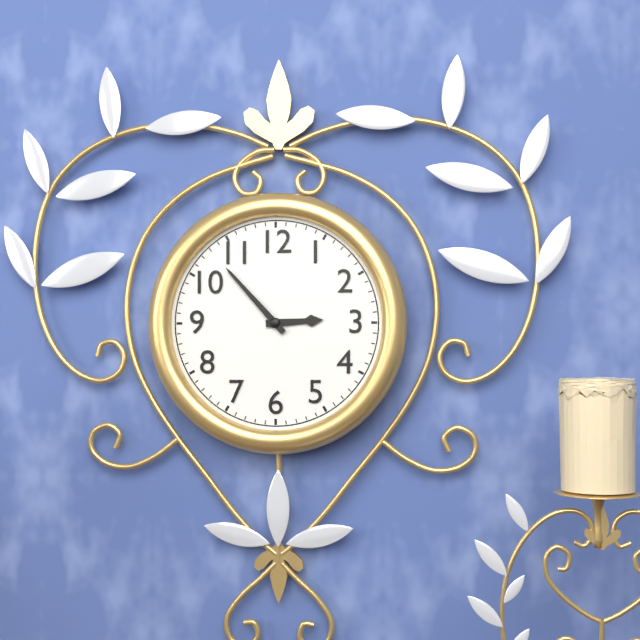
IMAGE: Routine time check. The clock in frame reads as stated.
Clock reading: 2:53
